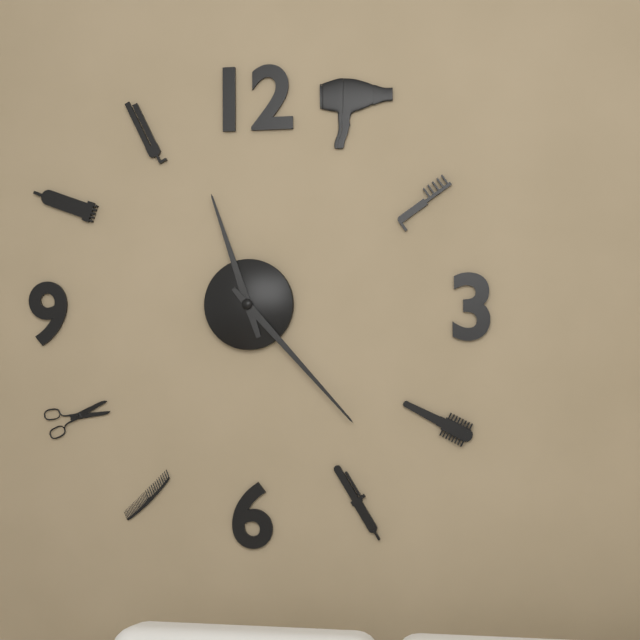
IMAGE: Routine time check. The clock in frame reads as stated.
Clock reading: 11:23
